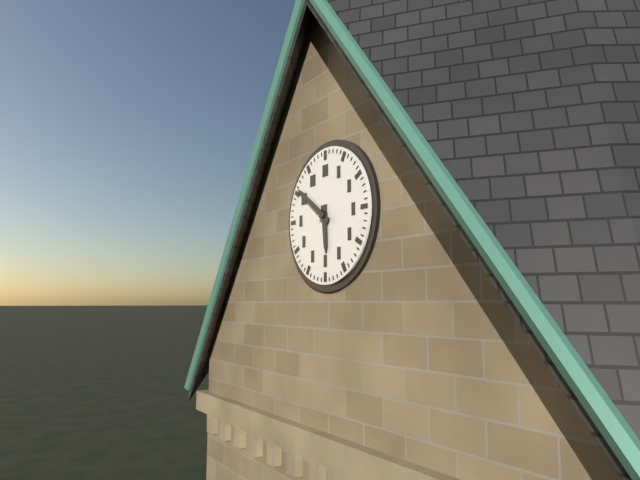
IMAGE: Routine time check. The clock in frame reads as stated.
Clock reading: 5:51
